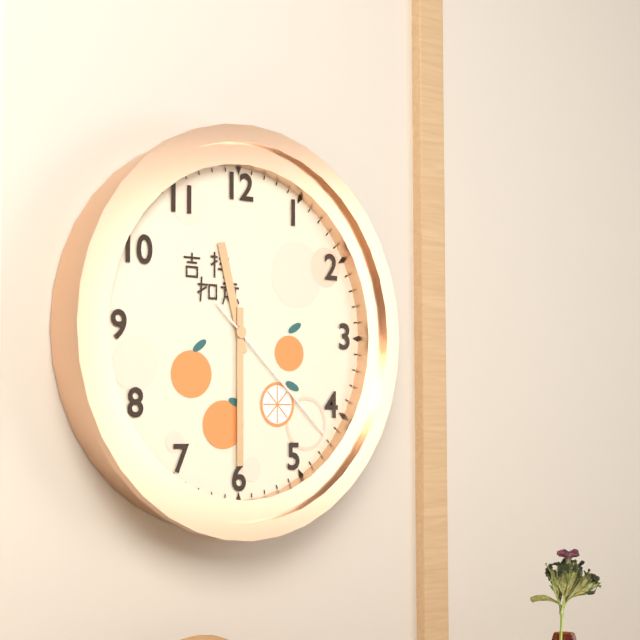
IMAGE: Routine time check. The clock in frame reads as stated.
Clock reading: 11:30:22
